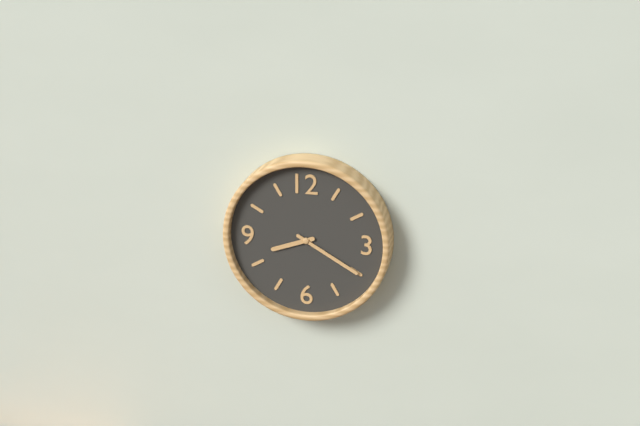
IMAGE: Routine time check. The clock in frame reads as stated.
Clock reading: 8:20
